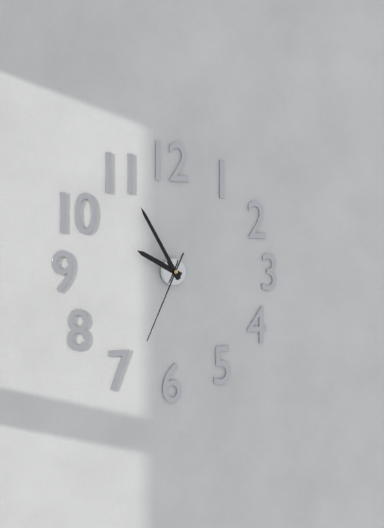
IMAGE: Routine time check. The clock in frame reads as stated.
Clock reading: 9:55:34
